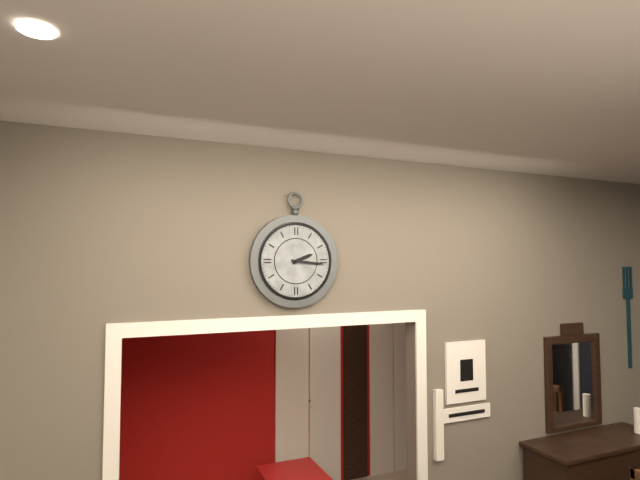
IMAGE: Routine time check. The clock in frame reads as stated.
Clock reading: 2:16
